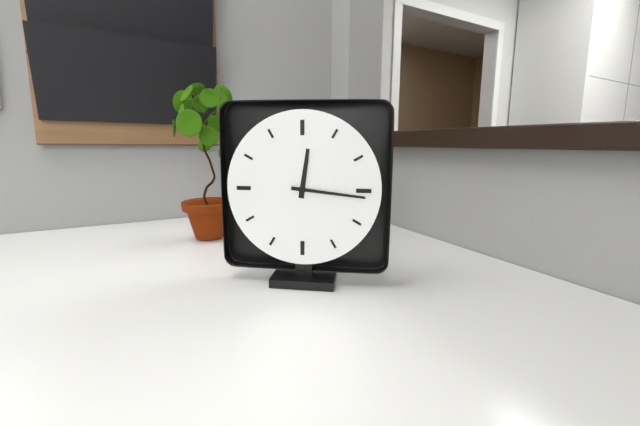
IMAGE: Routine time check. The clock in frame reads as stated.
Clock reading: 12:16
